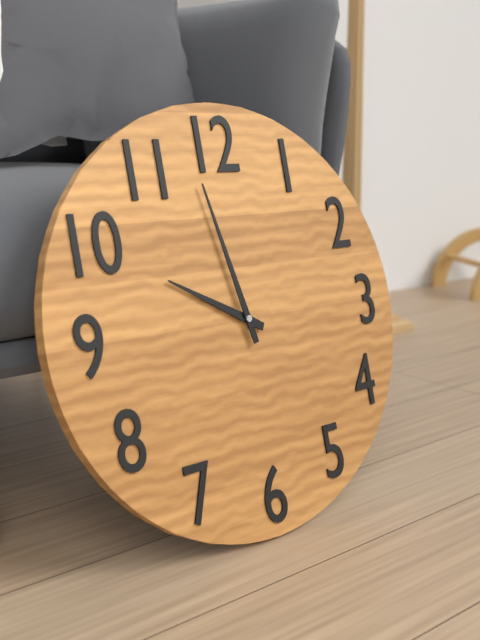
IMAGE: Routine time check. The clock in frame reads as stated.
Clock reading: 9:58
